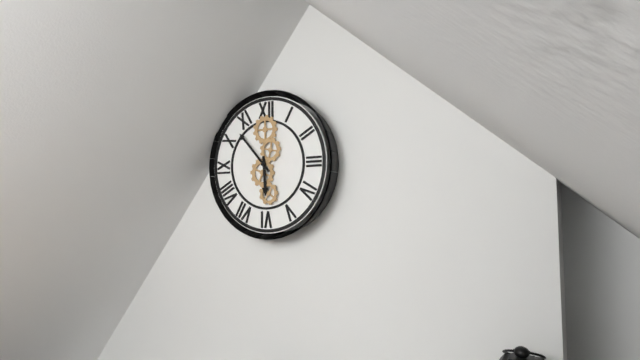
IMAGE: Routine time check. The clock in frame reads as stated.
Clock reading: 5:53
